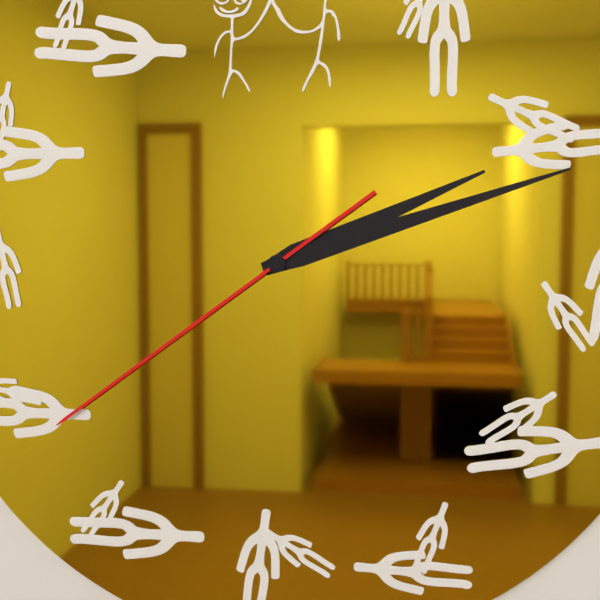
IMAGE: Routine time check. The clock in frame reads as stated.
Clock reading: 2:12:39
